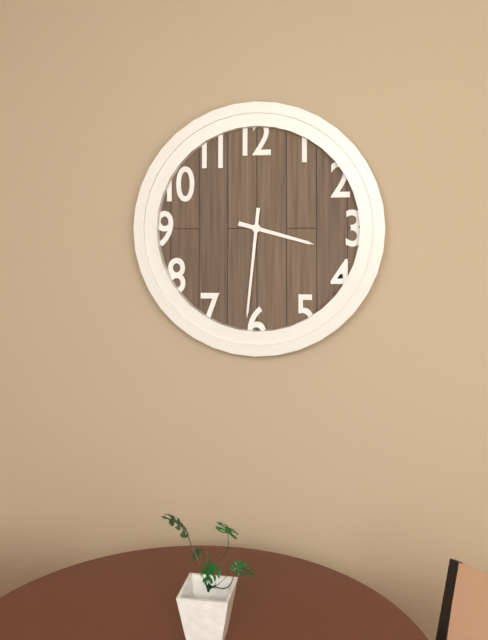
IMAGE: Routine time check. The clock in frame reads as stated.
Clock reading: 3:31
